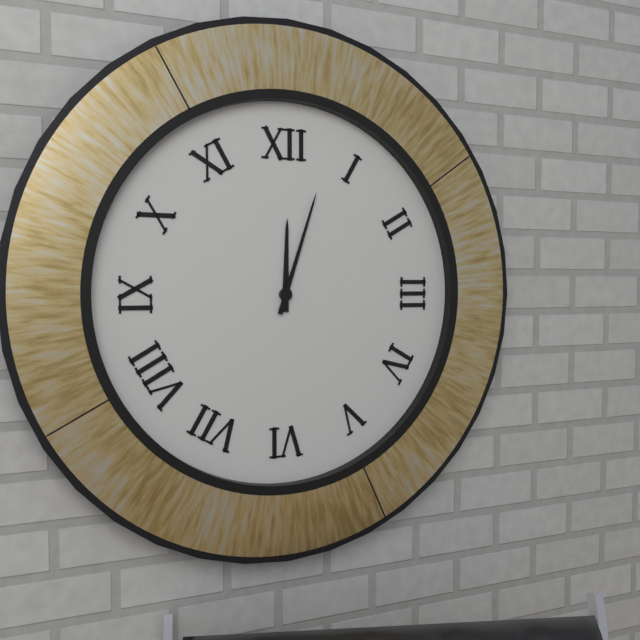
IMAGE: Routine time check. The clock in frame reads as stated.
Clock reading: 12:03
